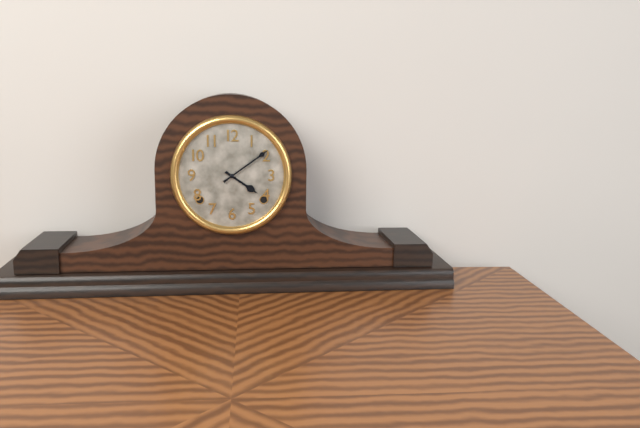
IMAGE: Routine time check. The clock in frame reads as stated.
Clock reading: 4:09
